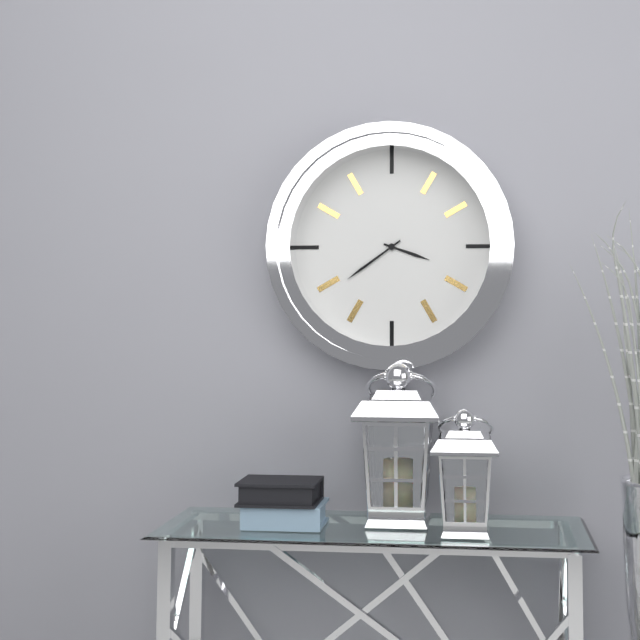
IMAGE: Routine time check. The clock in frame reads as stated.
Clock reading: 3:39
